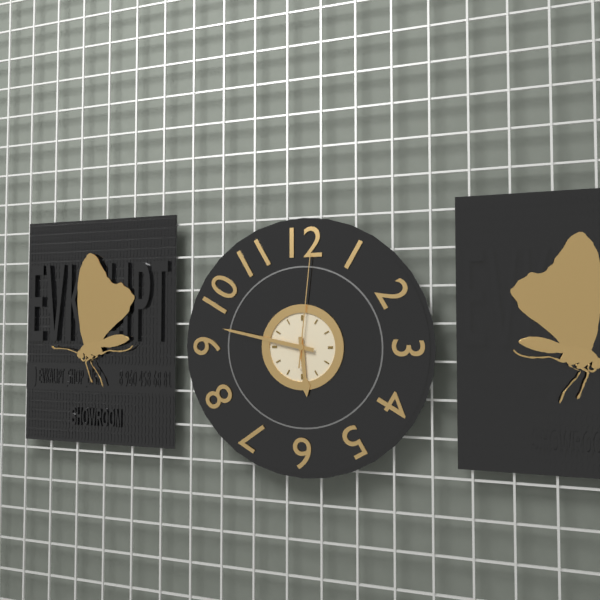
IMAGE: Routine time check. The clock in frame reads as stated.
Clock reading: 5:47:01
